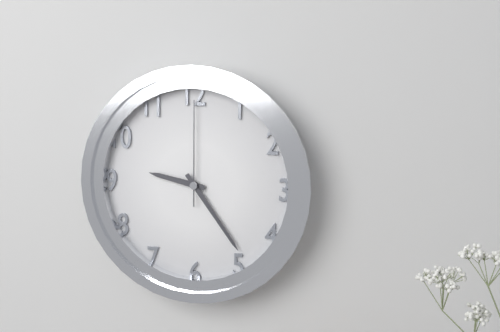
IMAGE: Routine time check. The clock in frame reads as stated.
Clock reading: 9:24:00
